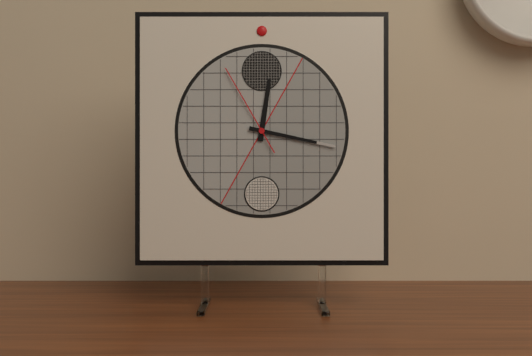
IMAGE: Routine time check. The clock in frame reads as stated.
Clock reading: 12:17:55
